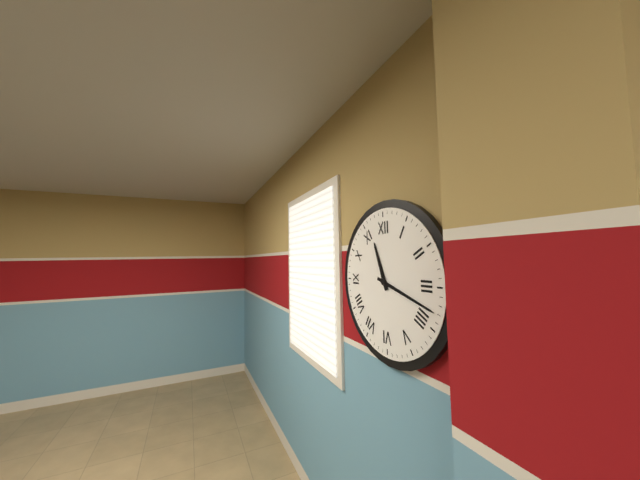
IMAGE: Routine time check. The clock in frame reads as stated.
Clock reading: 11:18
